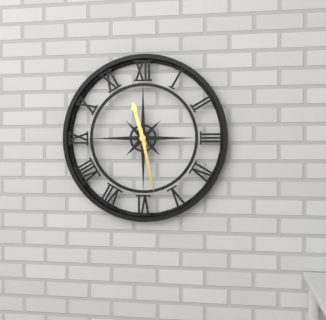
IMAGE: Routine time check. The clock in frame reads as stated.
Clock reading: 11:28
